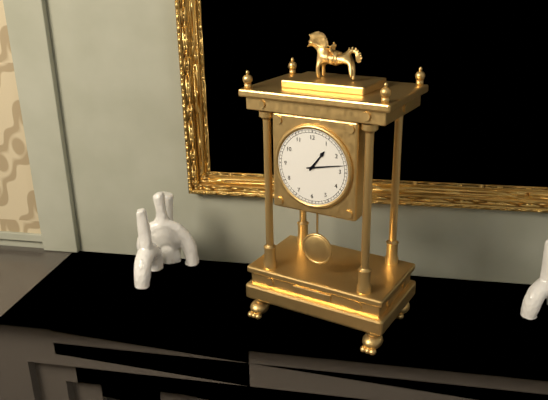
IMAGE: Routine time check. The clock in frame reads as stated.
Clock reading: 1:13
